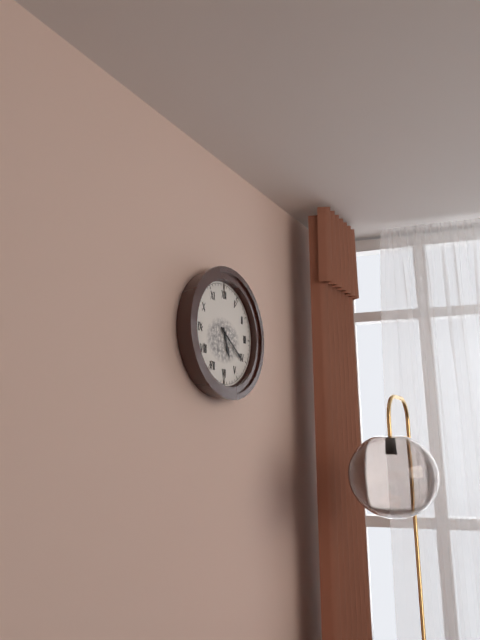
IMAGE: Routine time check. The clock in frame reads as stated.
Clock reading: 5:21
